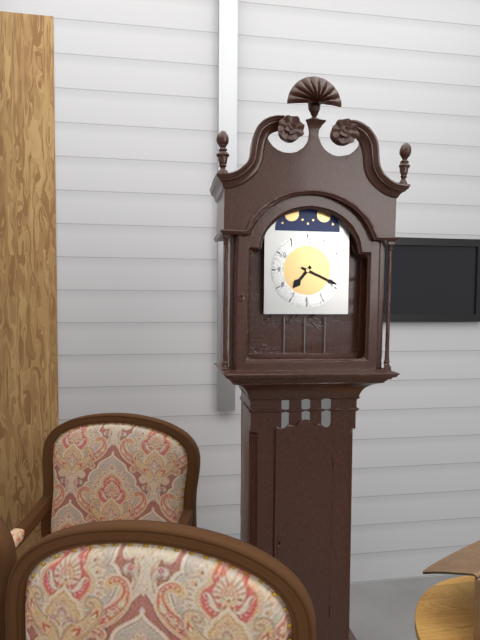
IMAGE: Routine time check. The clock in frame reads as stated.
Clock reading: 7:19
